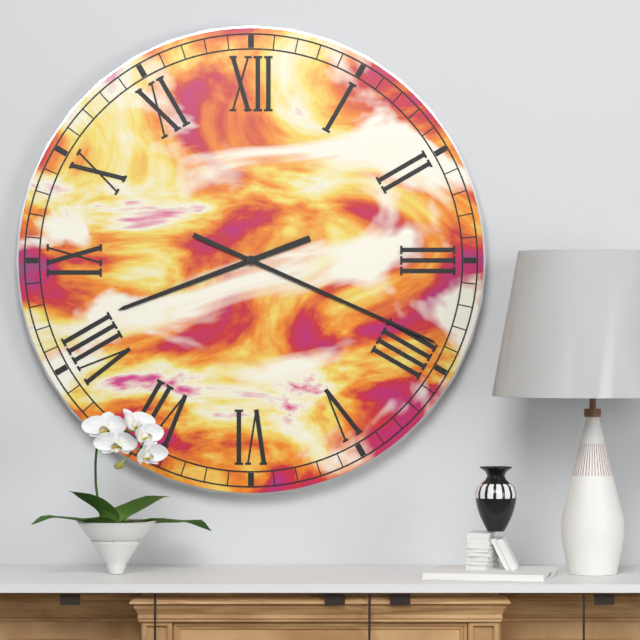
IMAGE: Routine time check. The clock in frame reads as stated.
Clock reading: 8:19
